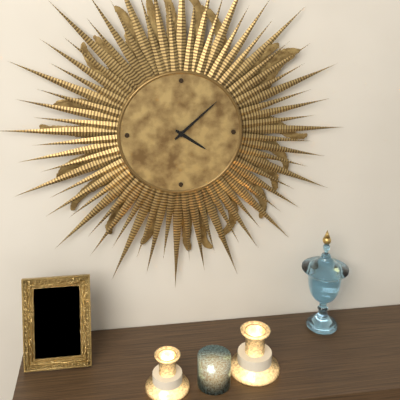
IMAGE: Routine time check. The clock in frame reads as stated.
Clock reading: 4:08
